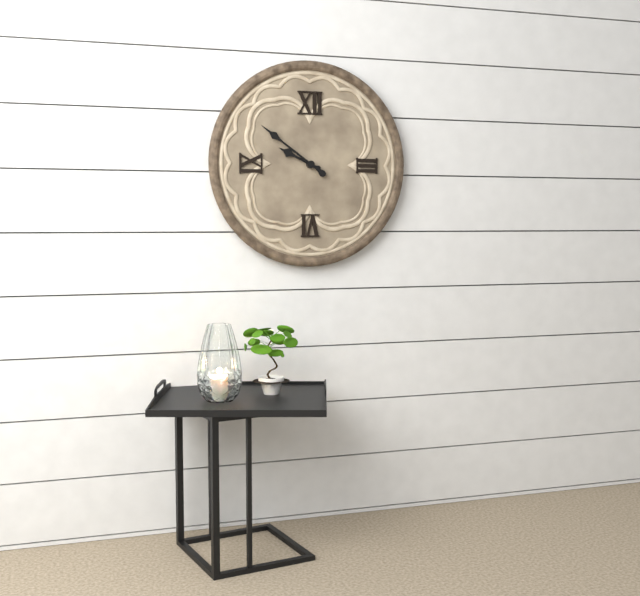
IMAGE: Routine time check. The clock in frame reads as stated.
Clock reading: 9:51
